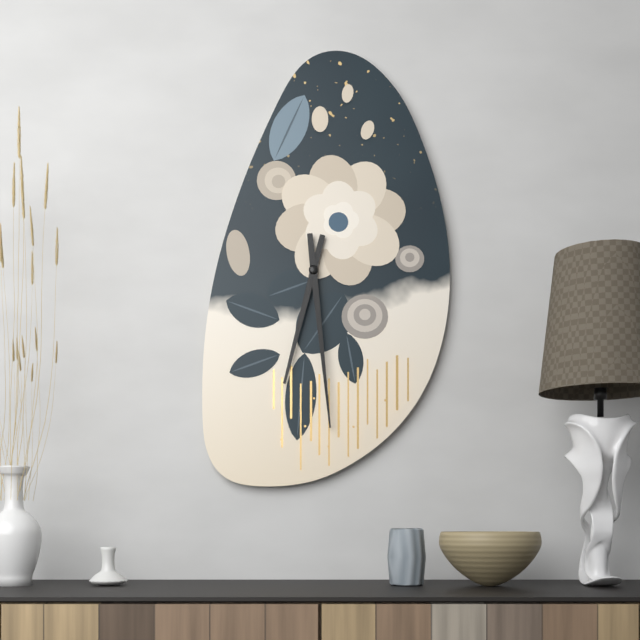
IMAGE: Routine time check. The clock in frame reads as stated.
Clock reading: 6:29
